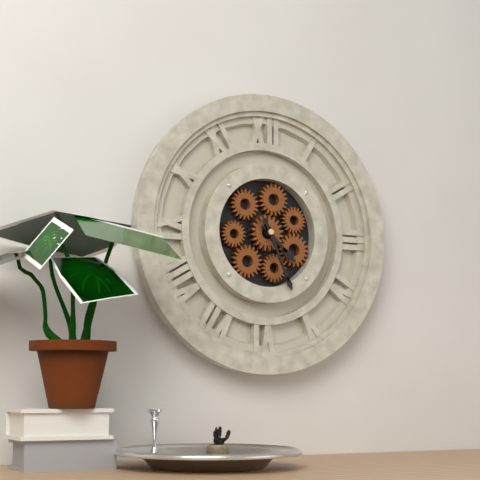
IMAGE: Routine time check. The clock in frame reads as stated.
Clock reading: 4:26
